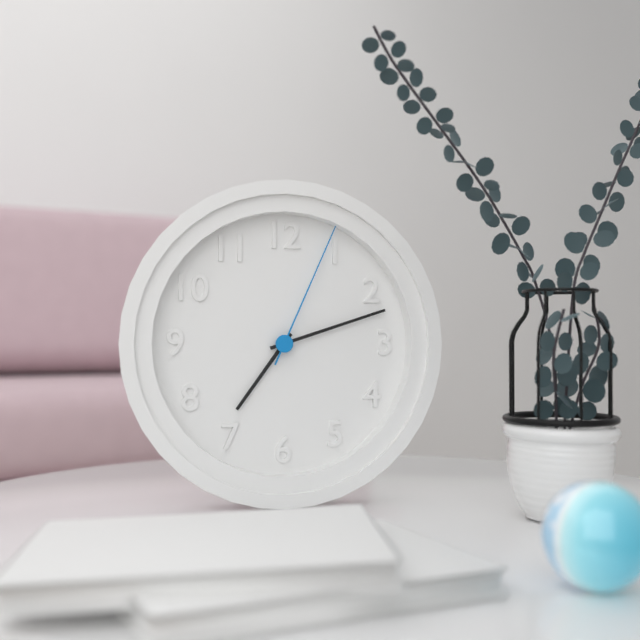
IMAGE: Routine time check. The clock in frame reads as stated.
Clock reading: 7:12:04
